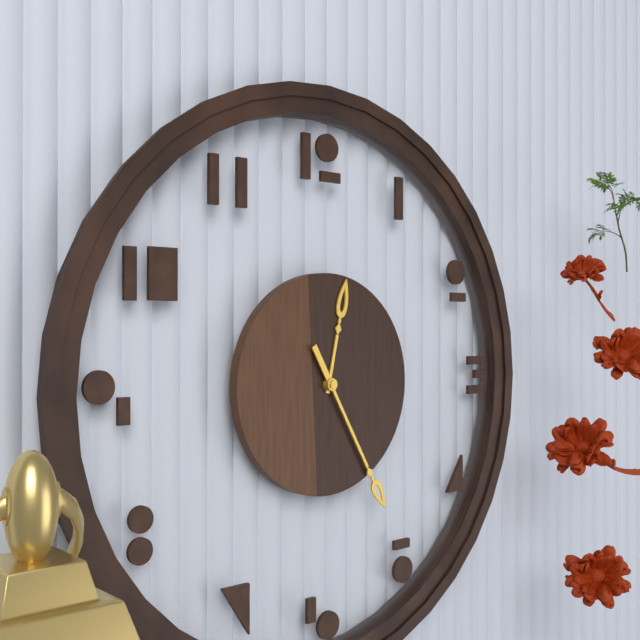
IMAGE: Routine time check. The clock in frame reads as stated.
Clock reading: 12:25
